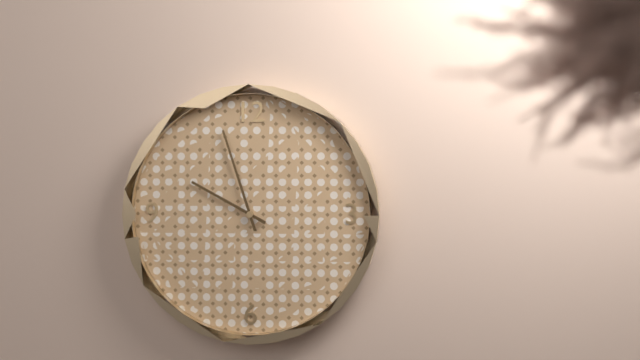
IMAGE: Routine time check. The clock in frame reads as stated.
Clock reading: 9:57
